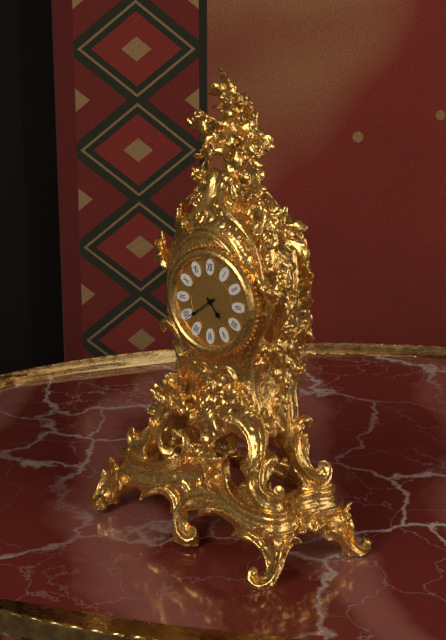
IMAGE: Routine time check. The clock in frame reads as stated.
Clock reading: 4:39
